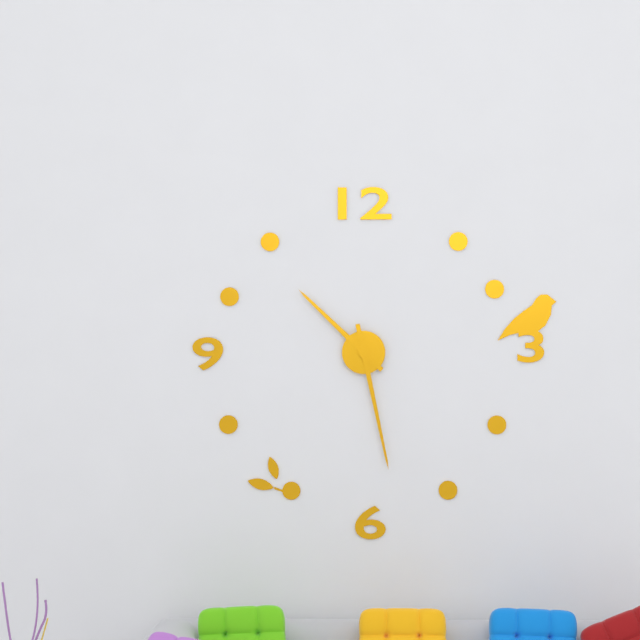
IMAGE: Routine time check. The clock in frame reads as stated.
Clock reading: 10:28
